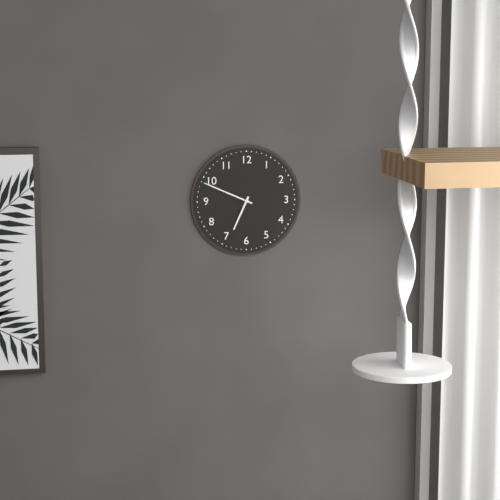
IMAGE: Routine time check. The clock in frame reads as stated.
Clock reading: 6:49
